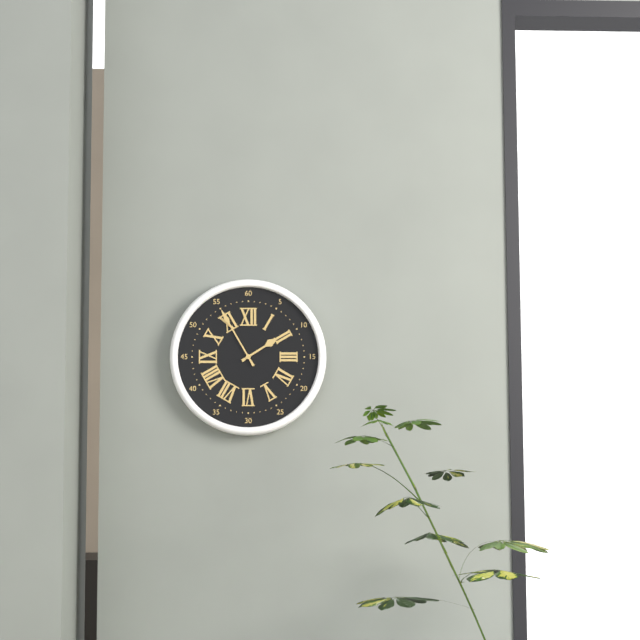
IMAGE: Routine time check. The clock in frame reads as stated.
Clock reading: 1:55
